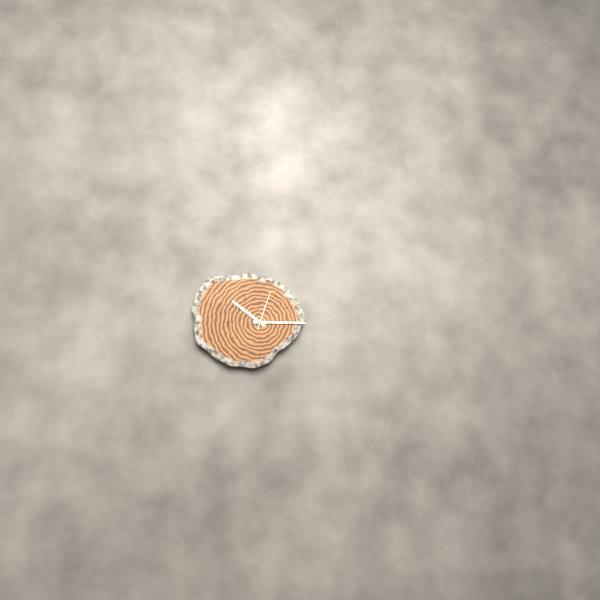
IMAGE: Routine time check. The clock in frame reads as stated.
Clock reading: 10:15
